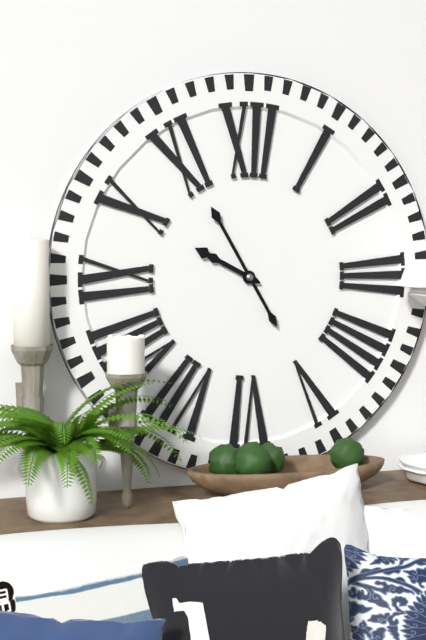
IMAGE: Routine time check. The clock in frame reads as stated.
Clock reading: 9:55
